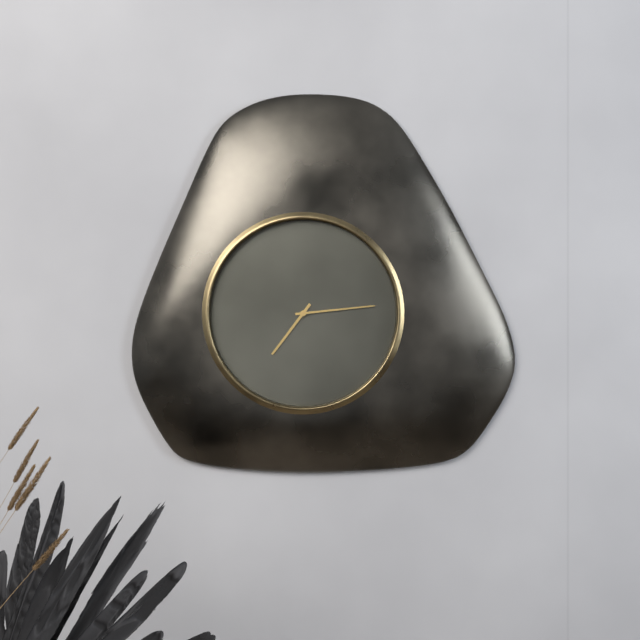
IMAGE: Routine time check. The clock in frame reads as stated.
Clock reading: 7:14
